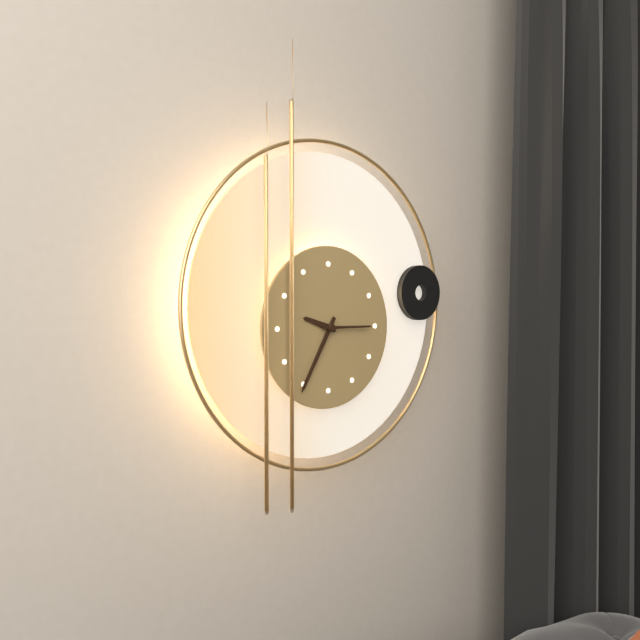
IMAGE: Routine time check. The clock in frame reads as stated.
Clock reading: 9:35:15
